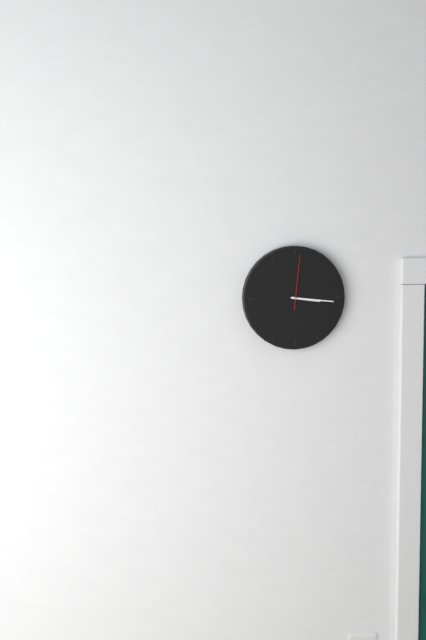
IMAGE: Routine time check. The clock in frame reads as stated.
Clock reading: 3:16:01
